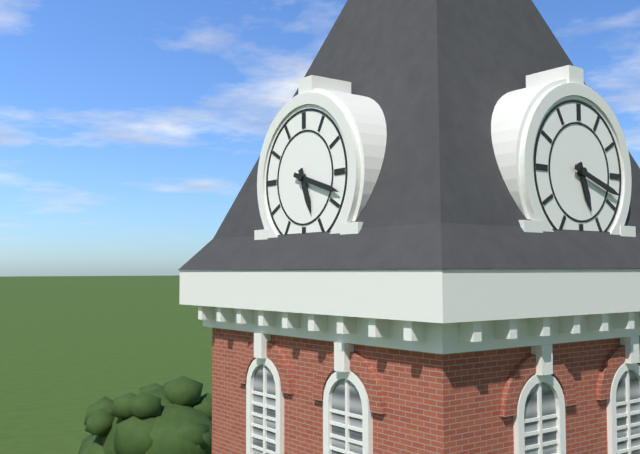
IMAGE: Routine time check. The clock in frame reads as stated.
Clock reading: 5:18
